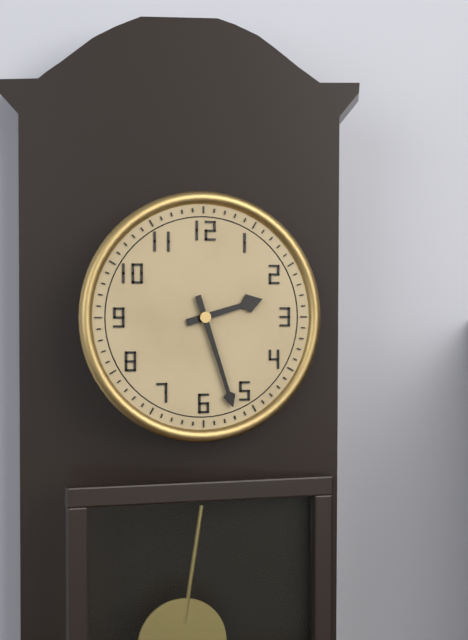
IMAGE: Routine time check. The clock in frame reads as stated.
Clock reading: 2:27
